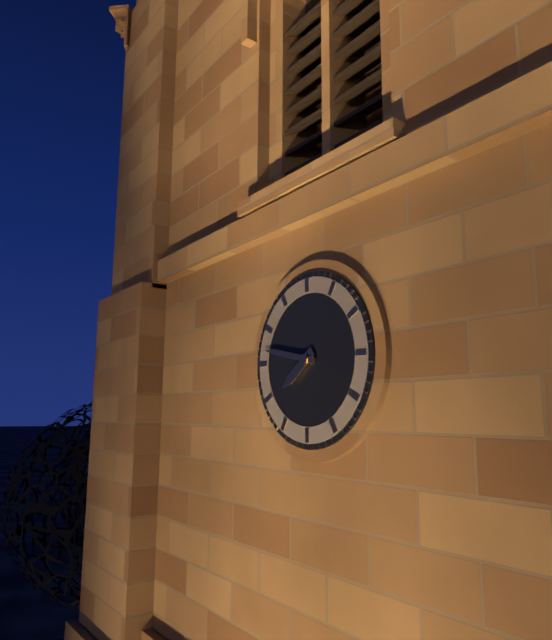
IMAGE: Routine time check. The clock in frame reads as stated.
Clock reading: 7:47
